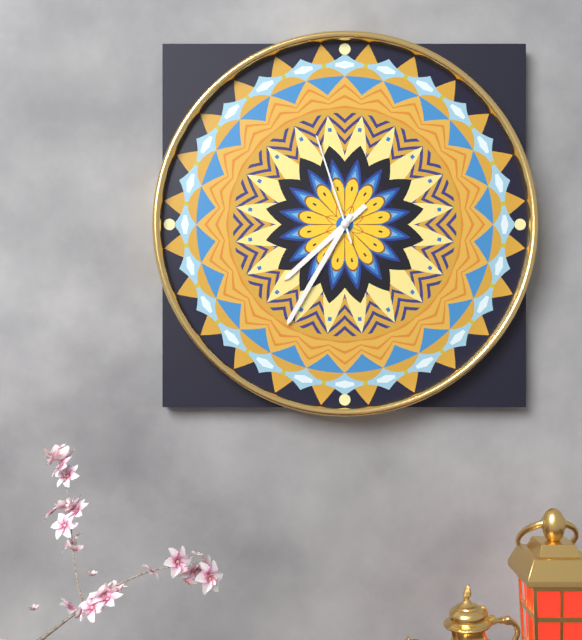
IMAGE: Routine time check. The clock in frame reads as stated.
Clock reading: 7:35:57
